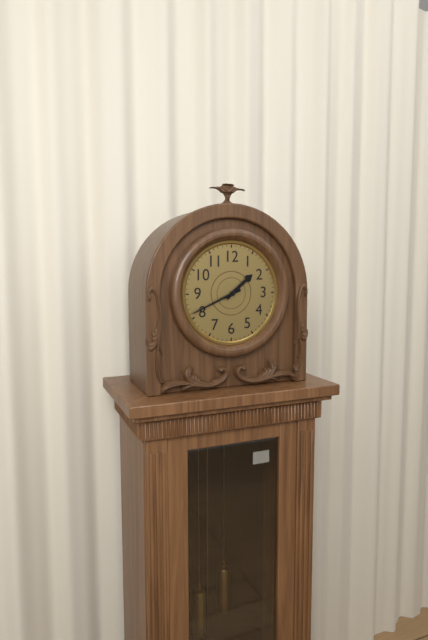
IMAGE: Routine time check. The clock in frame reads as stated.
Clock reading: 1:41
